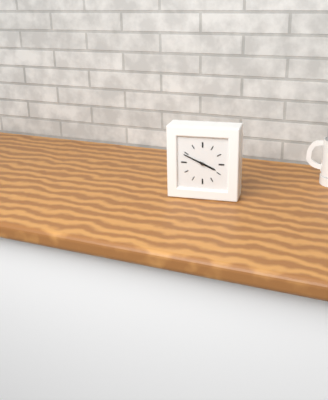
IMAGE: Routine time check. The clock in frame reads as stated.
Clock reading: 3:49
